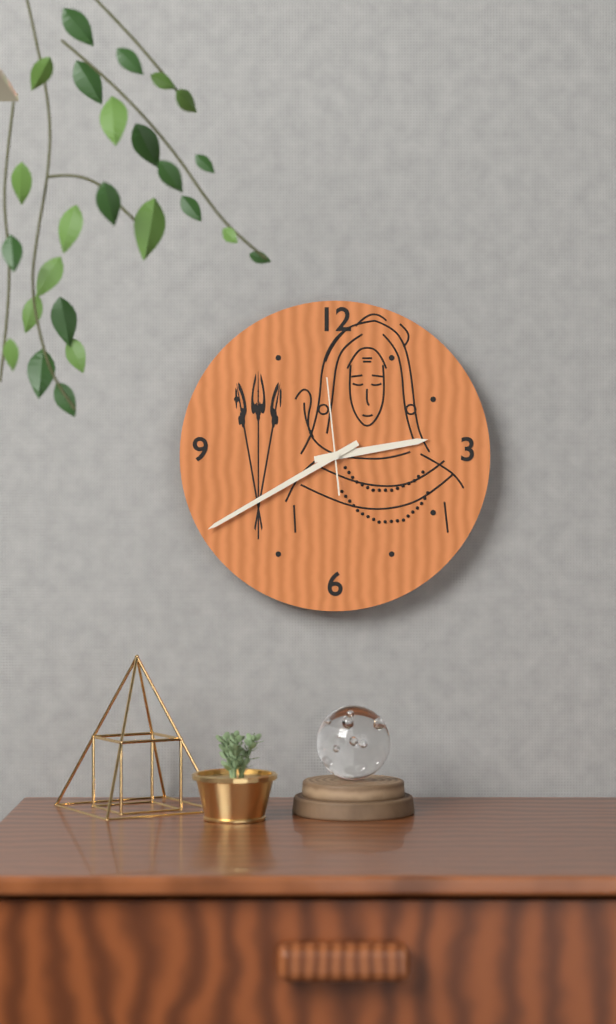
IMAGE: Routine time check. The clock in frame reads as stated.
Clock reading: 2:40:59
